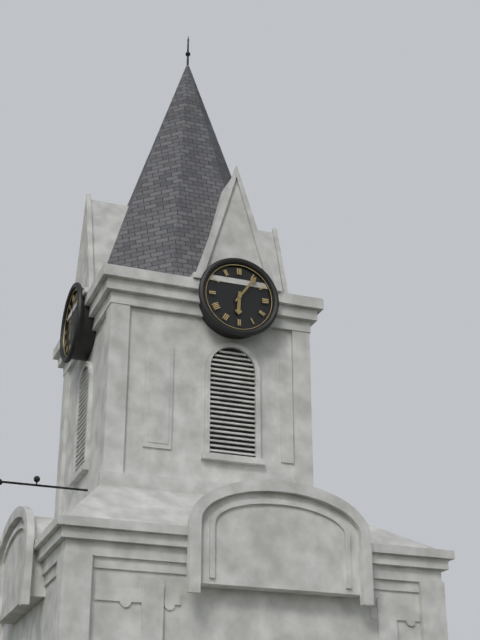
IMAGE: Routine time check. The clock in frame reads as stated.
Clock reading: 6:06
